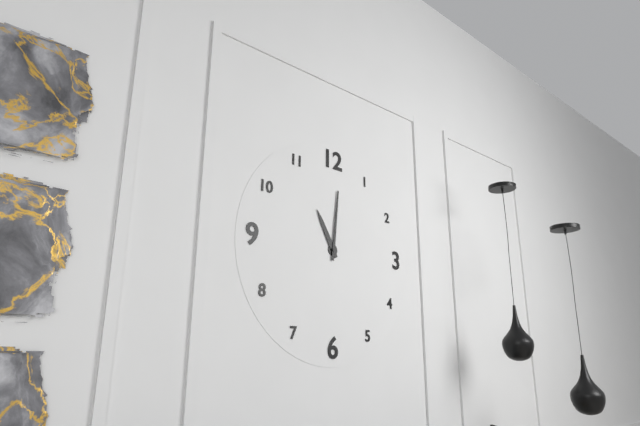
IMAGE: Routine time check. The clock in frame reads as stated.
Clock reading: 11:01
